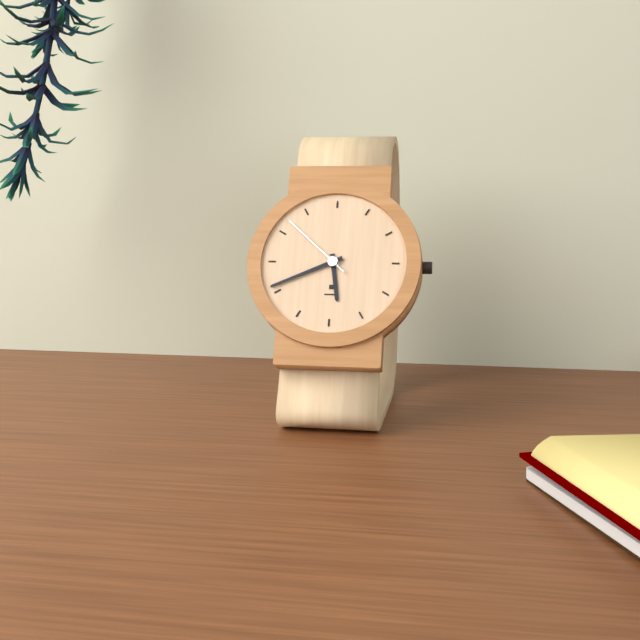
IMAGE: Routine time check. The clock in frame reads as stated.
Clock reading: 5:41:52
